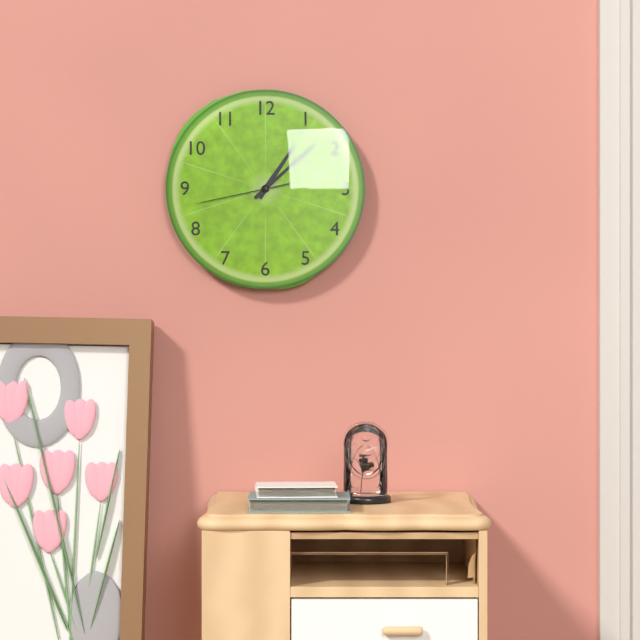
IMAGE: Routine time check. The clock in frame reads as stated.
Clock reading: 1:08:43
